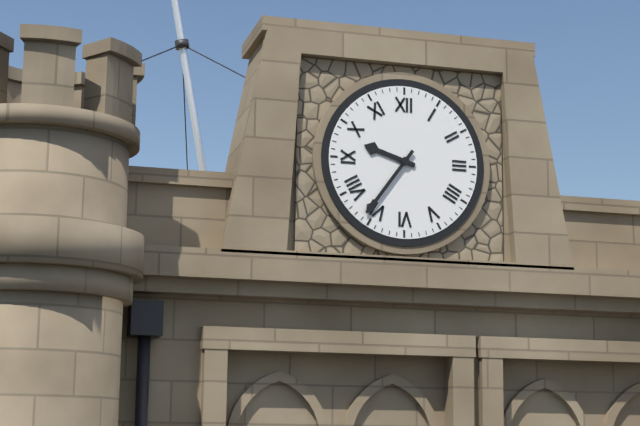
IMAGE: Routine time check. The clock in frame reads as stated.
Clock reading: 9:36
